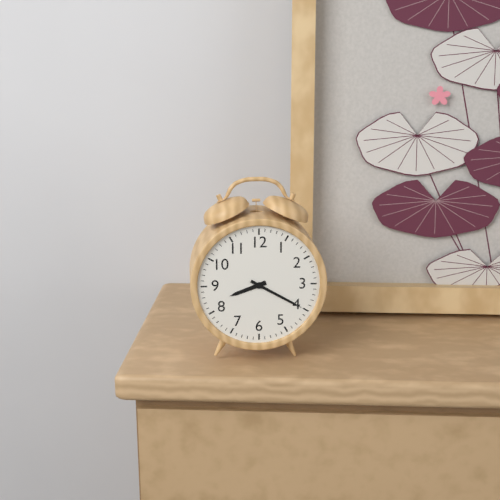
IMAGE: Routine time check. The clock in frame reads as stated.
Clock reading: 8:20
